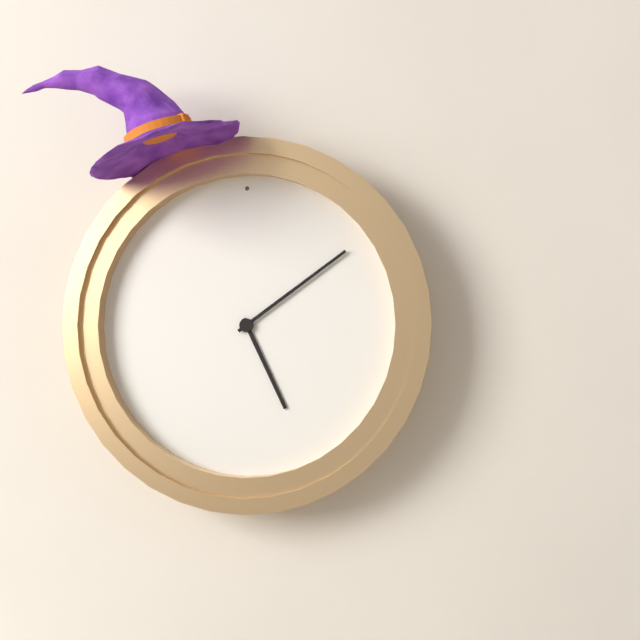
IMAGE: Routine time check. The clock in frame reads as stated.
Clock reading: 5:09
